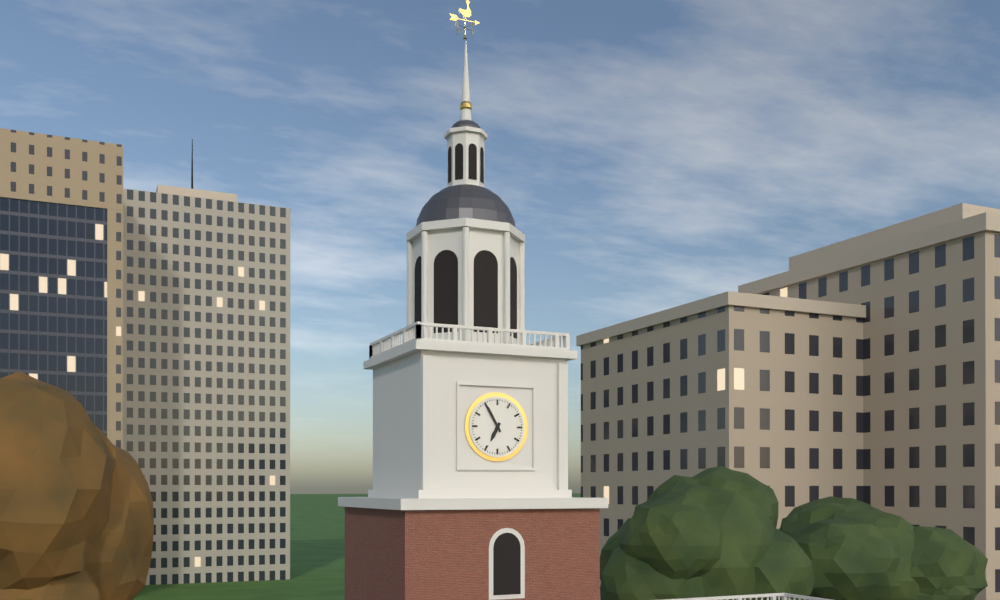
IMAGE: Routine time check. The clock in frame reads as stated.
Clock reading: 6:55
